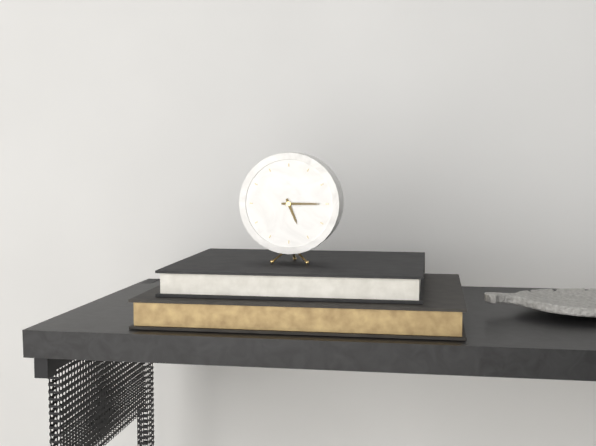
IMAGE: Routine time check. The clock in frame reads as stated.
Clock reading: 5:15
